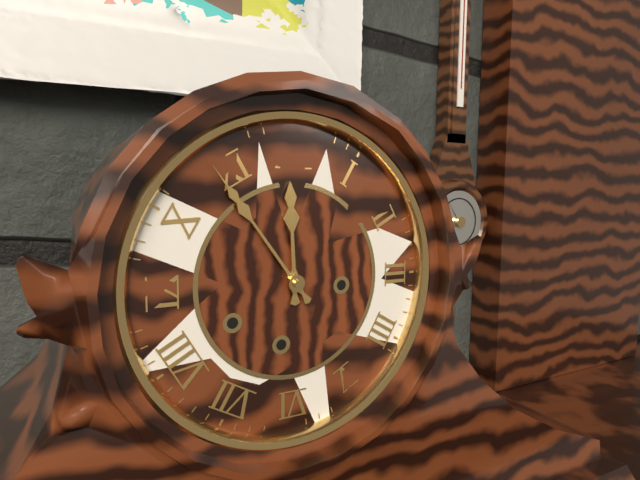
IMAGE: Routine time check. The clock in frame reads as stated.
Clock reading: 11:54
